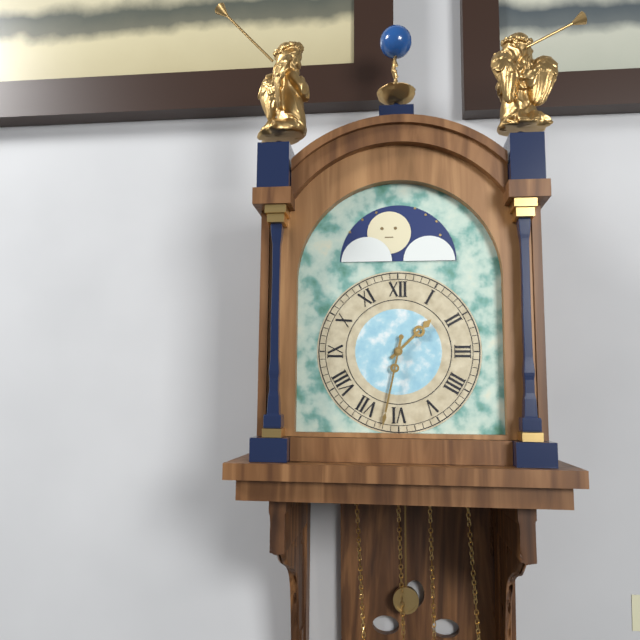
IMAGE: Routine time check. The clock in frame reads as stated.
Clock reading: 1:32
